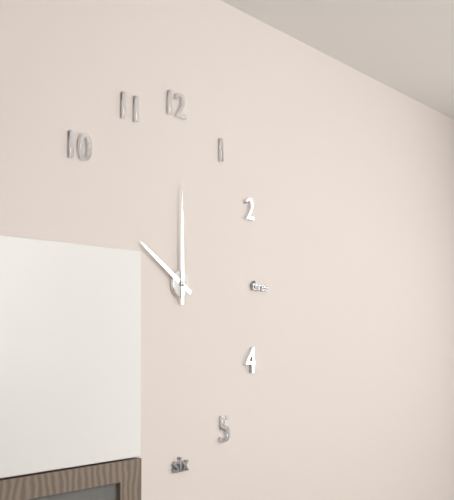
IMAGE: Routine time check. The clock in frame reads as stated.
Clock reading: 10:00
